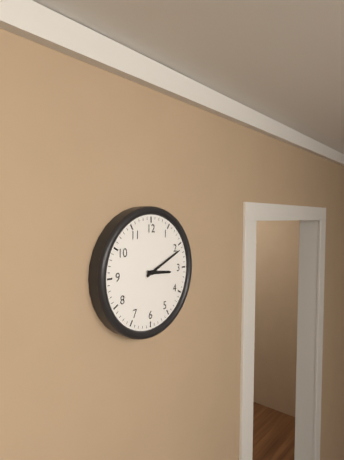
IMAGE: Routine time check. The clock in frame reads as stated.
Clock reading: 3:11
